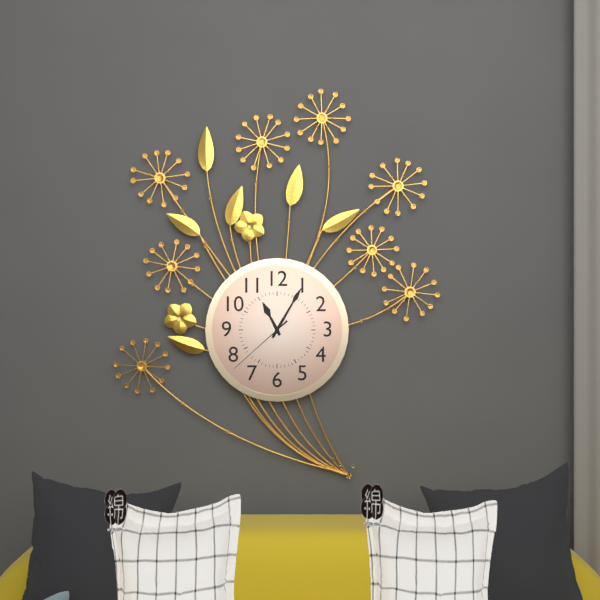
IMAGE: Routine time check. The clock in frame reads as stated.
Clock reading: 11:05:38
